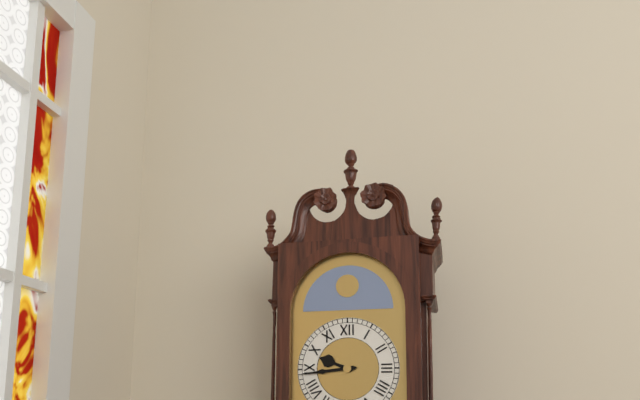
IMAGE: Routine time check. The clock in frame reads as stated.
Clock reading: 9:44
